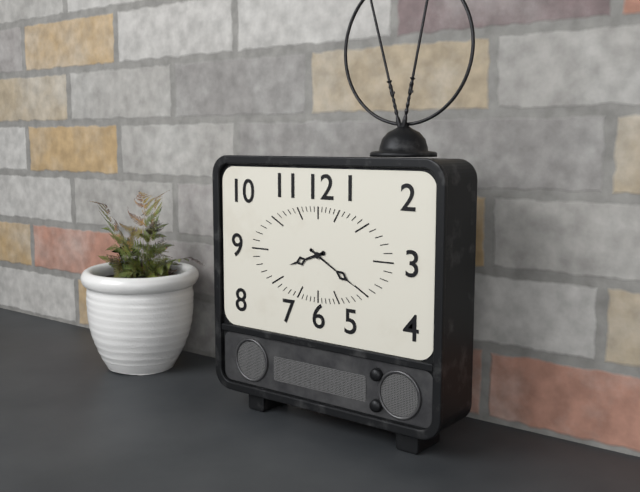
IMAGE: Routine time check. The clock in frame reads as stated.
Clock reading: 8:20
